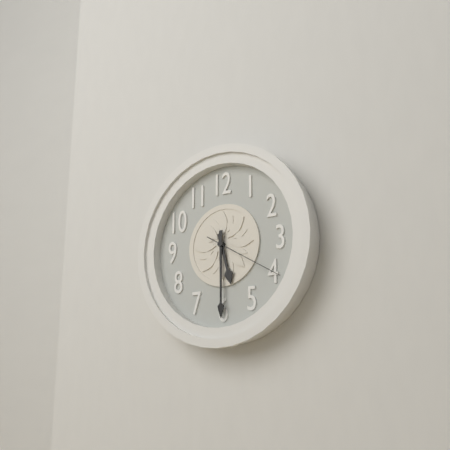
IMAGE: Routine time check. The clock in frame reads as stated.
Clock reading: 5:30:20
